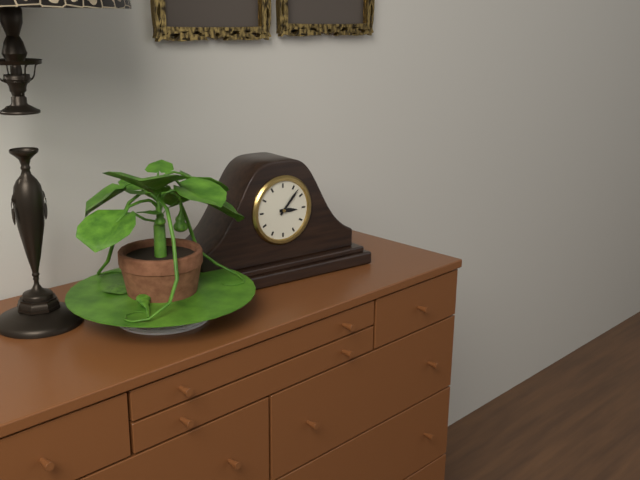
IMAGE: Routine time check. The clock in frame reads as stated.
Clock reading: 3:07
